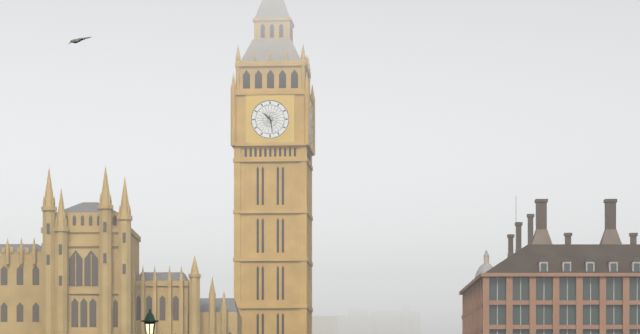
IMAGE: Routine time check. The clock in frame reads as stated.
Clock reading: 10:28
